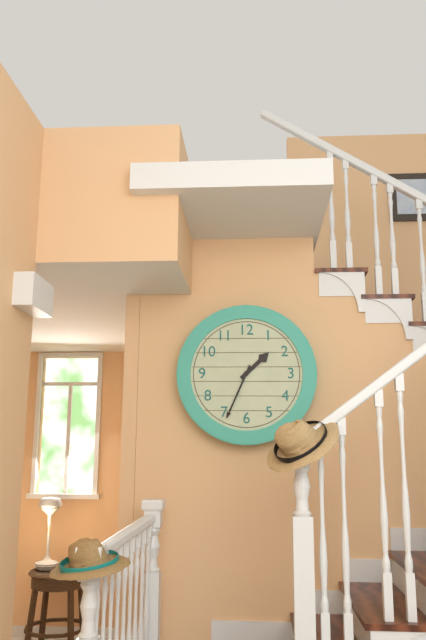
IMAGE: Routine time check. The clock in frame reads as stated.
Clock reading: 1:34
